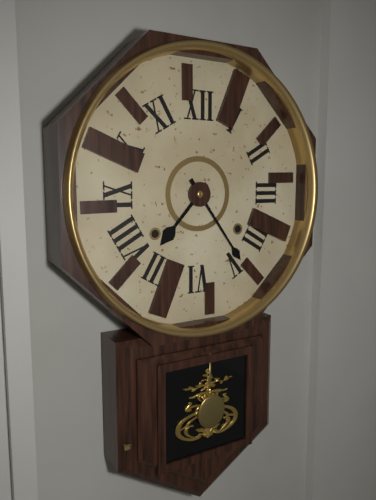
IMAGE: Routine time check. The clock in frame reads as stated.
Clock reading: 7:24
